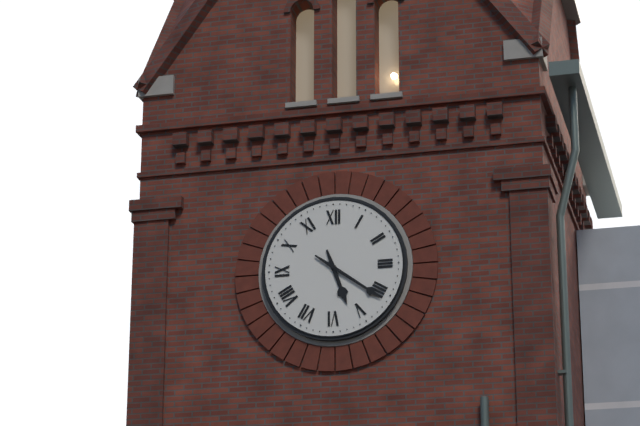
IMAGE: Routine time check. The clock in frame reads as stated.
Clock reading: 5:21
